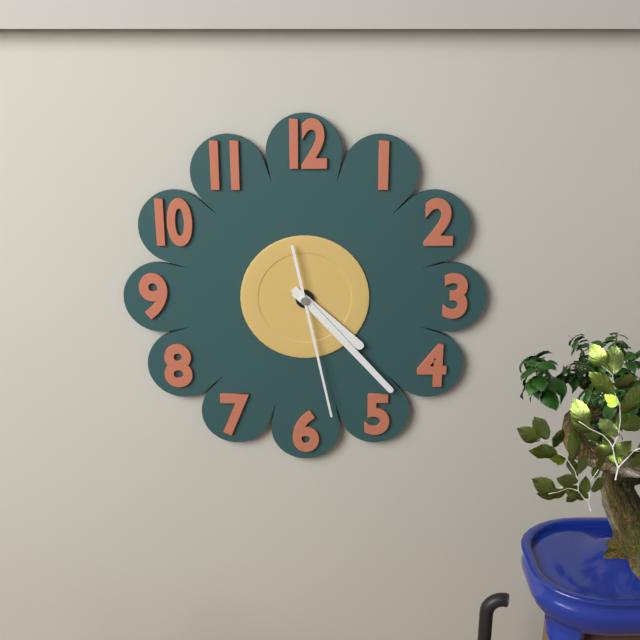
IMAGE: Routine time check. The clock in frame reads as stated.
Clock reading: 4:23:28
